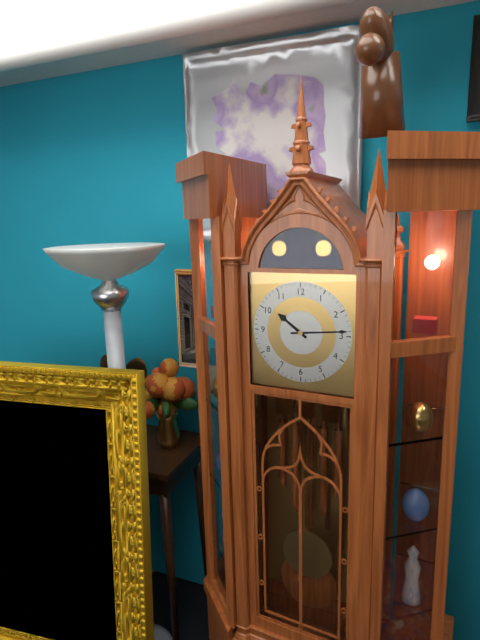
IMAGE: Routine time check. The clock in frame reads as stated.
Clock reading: 10:14
